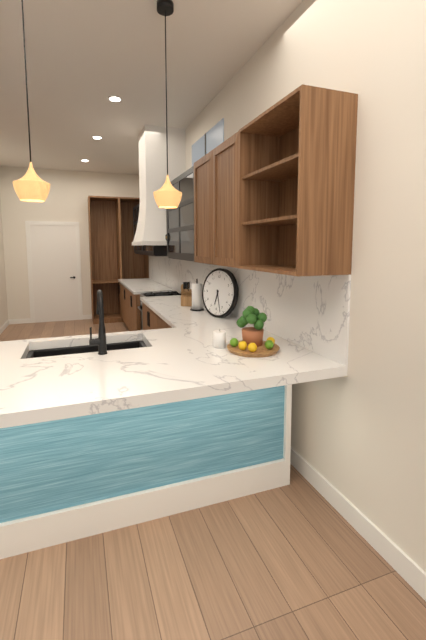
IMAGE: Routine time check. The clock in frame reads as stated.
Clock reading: 6:27
